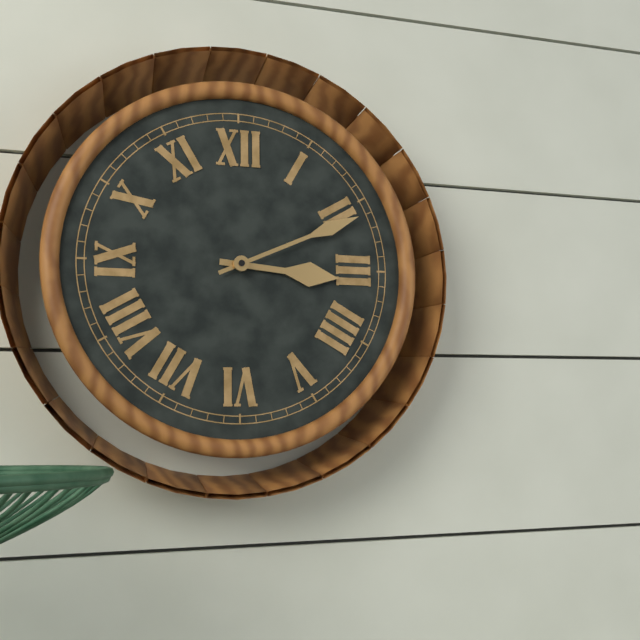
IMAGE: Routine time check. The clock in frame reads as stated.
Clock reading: 3:11
